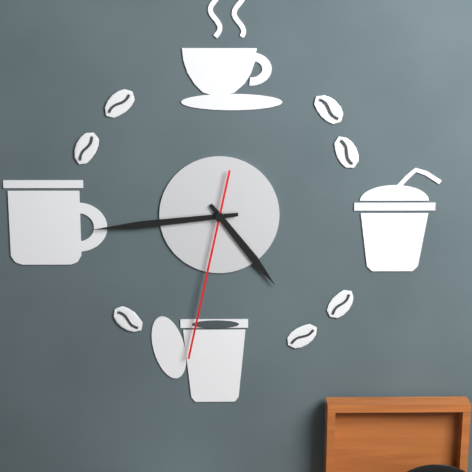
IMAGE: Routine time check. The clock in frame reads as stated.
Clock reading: 4:44:32
